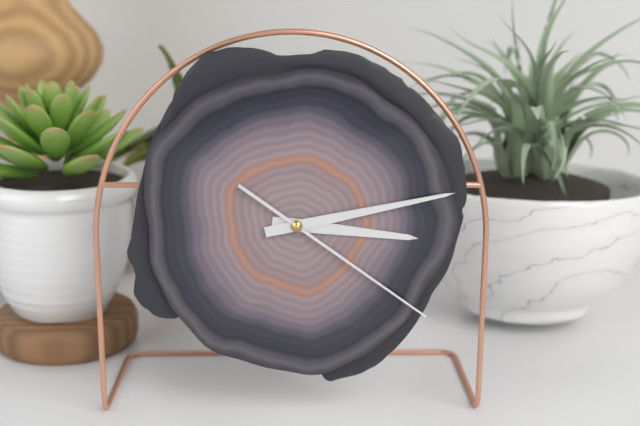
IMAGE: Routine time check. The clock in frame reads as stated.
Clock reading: 3:13:21
